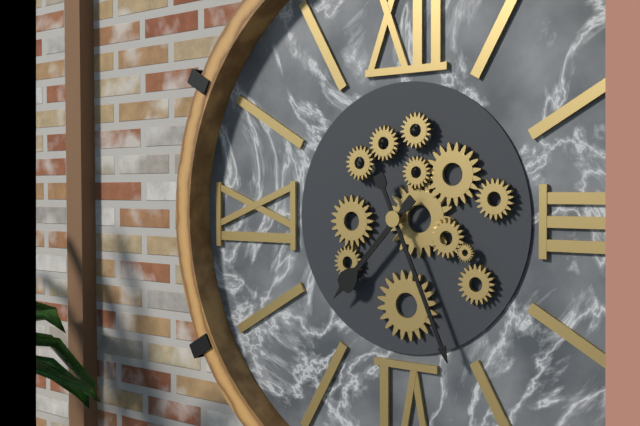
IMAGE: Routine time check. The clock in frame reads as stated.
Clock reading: 7:26
